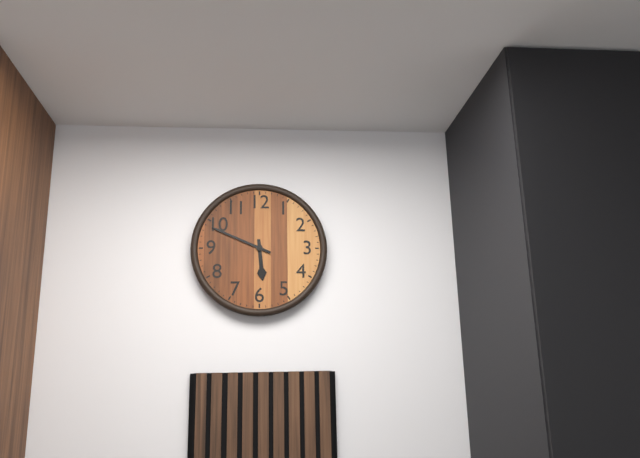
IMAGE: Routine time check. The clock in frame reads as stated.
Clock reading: 5:49
